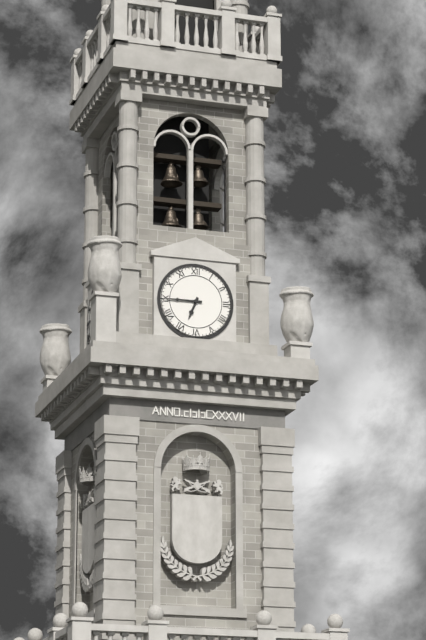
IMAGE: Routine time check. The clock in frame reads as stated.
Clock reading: 6:45
